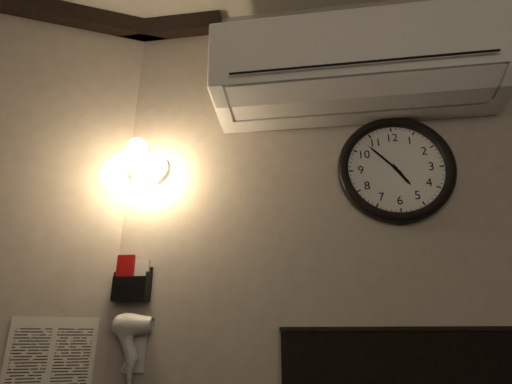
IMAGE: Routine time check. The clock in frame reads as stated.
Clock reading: 4:53
